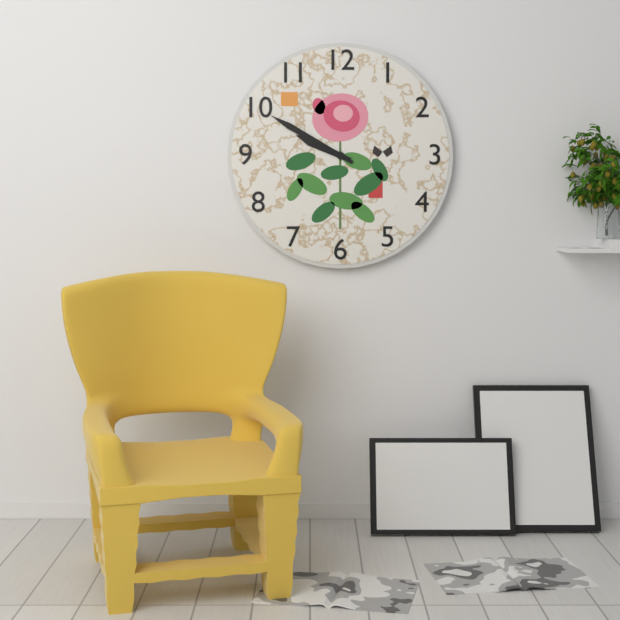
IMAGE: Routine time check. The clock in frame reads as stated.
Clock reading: 9:50
